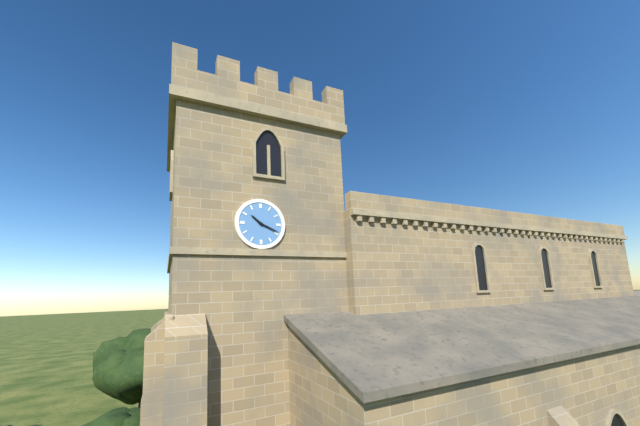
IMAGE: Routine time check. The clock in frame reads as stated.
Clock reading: 10:19
